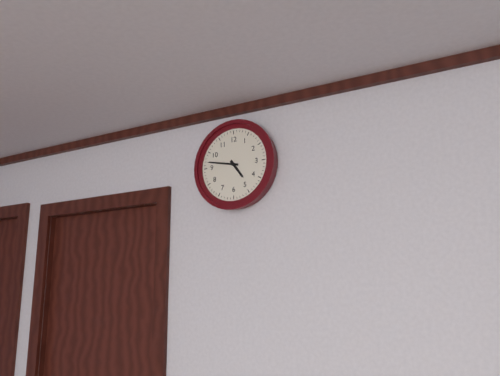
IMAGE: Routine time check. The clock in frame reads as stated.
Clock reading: 4:47
